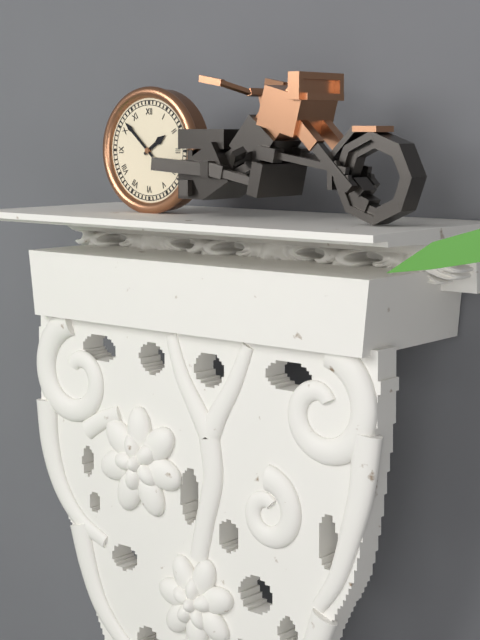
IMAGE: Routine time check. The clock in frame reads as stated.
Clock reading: 1:52
